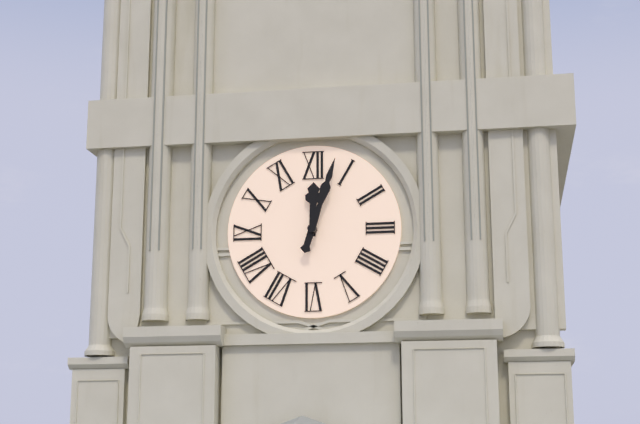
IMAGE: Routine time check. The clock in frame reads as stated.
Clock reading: 12:03
